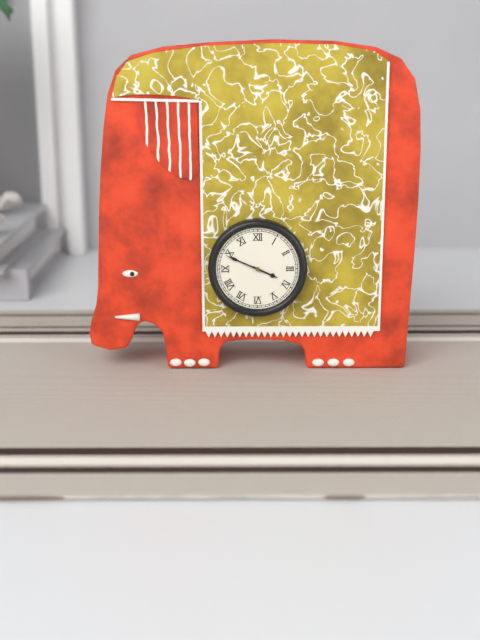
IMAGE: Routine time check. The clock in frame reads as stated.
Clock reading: 3:49
